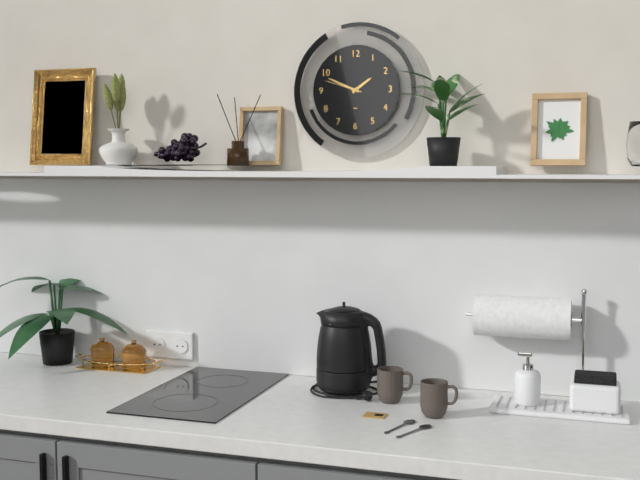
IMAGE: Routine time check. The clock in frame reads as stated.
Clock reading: 1:49
